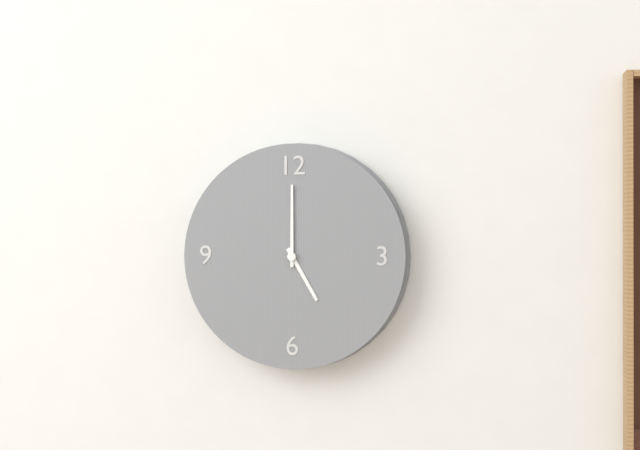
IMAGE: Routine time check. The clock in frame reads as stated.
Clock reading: 5:00
